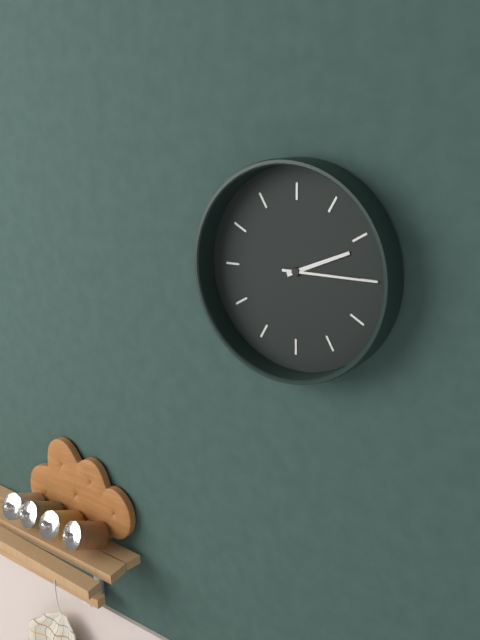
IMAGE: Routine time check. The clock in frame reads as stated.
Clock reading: 2:15
